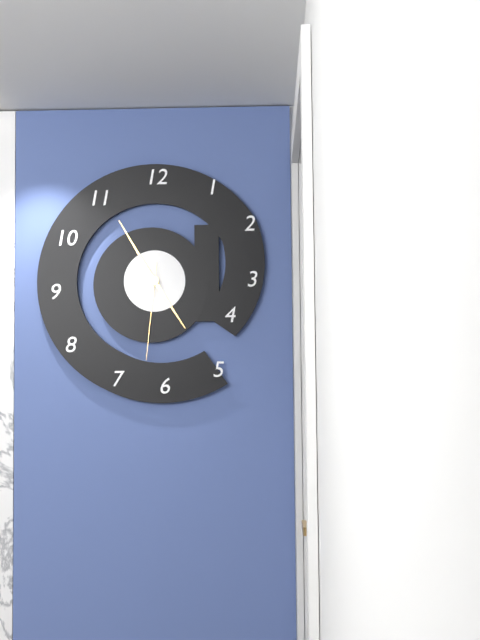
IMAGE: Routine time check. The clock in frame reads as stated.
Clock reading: 4:55:31
